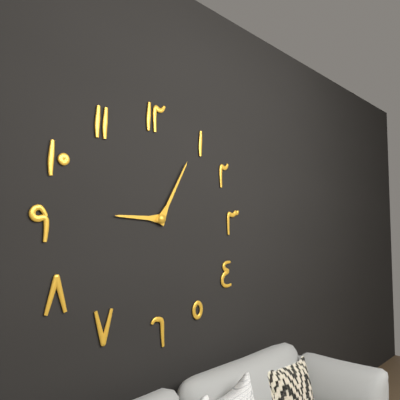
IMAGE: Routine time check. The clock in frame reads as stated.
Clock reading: 9:05
